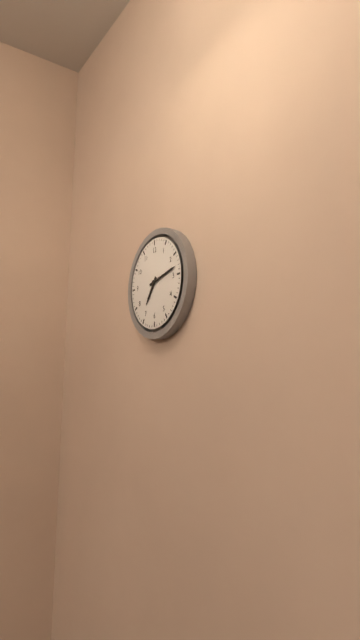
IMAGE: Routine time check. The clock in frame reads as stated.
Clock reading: 7:13
